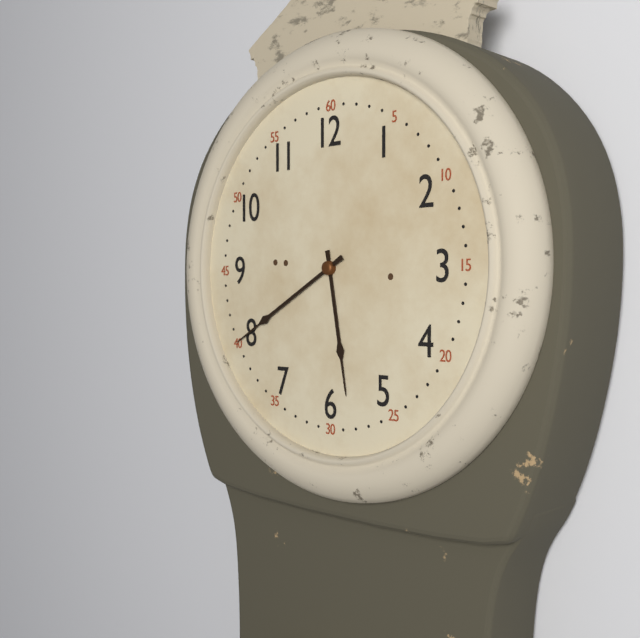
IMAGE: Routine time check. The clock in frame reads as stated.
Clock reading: 5:40
